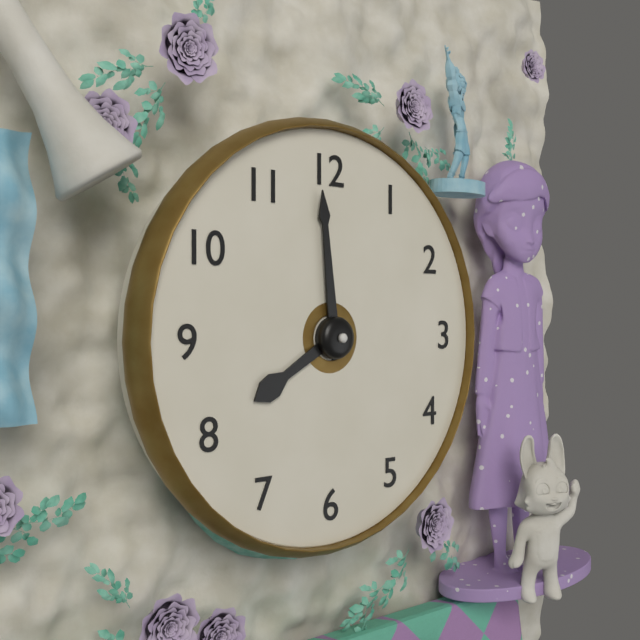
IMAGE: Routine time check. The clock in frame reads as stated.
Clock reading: 7:59
